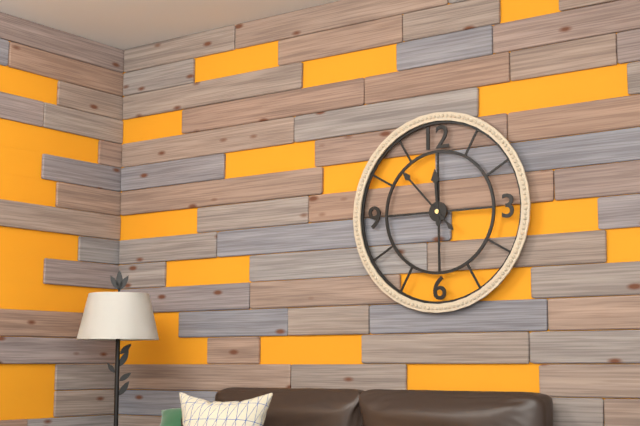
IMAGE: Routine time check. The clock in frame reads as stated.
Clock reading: 11:53
